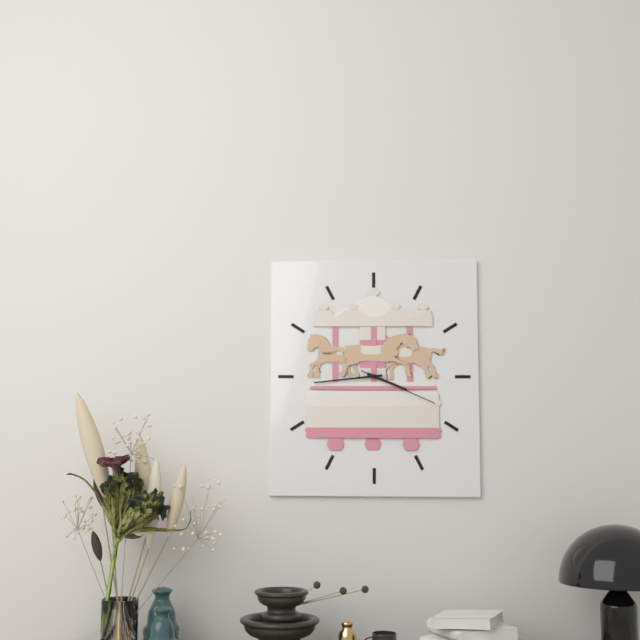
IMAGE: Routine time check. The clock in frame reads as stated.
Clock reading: 3:44:19
